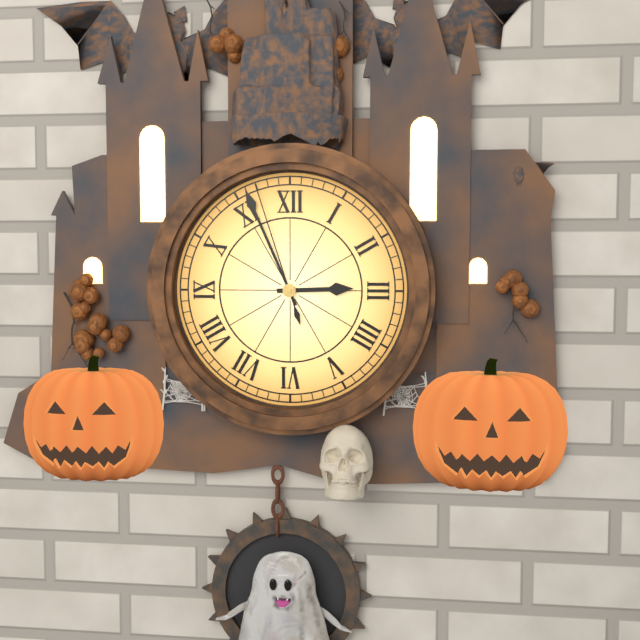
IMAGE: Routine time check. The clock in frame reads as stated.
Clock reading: 2:56:57
